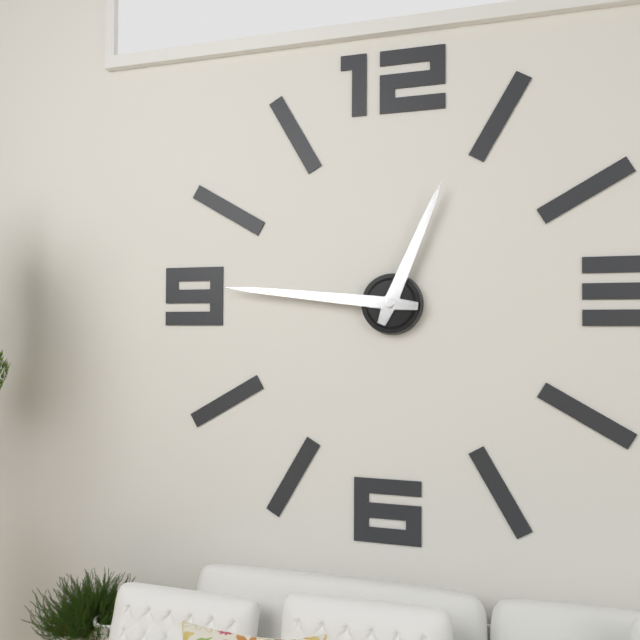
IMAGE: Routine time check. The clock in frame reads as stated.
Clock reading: 12:46
